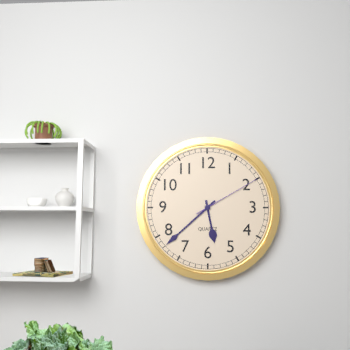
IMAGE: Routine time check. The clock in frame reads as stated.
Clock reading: 5:38:10
